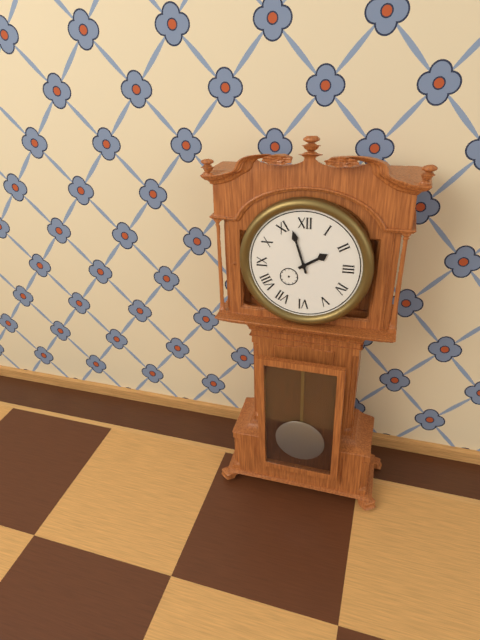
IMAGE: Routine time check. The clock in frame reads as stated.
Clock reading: 1:57
